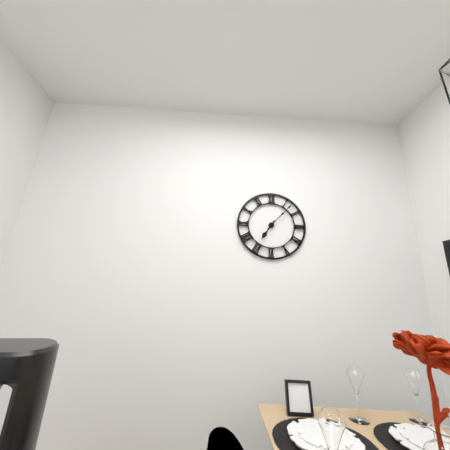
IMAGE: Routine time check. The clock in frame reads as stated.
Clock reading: 7:07
